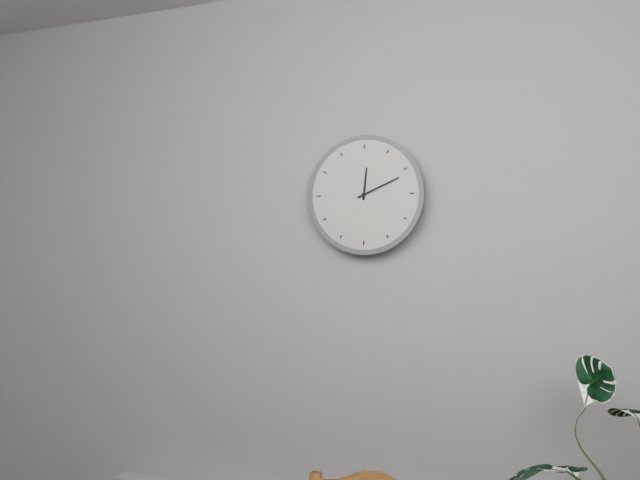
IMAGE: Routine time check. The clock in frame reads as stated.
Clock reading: 12:11
